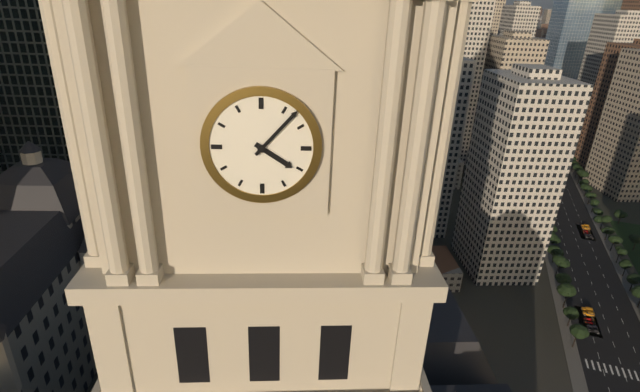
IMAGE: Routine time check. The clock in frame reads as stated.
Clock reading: 4:07
